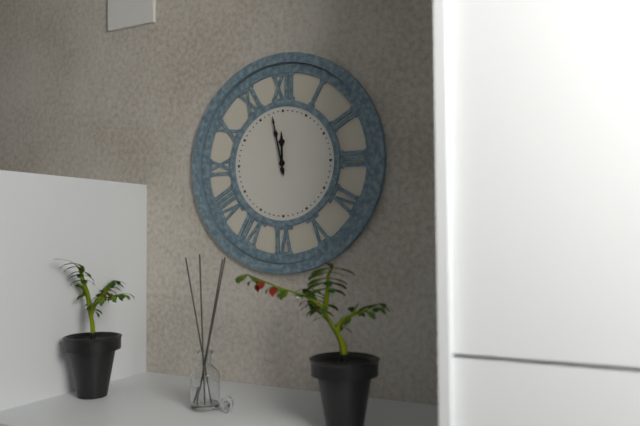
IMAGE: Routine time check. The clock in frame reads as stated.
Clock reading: 11:58
